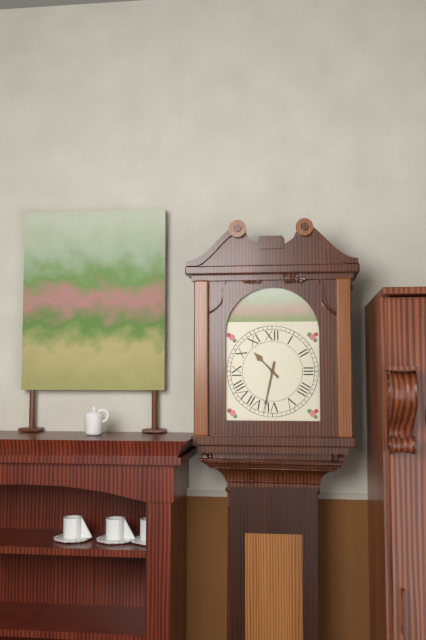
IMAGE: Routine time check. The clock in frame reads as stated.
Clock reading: 10:32
